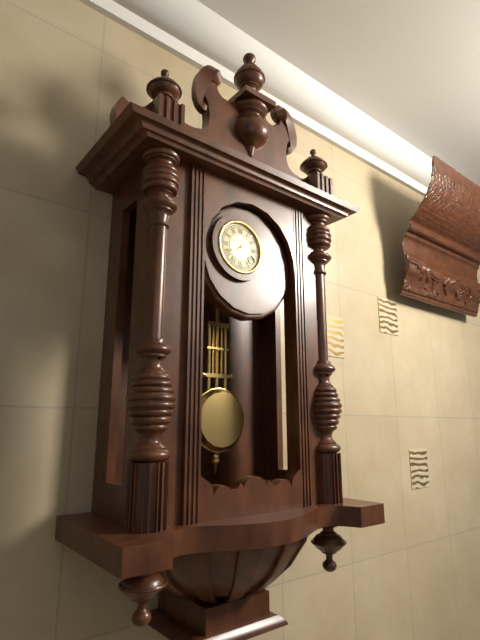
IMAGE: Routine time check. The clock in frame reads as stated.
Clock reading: 8:07
